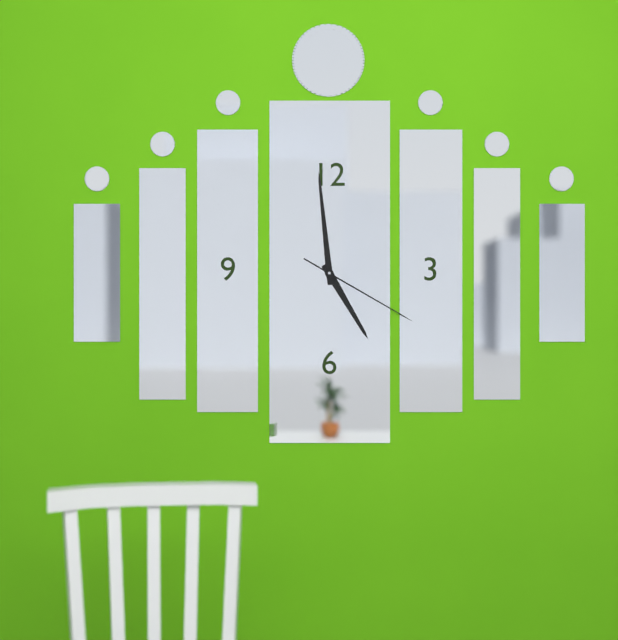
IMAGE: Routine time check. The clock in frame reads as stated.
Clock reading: 4:59:20
